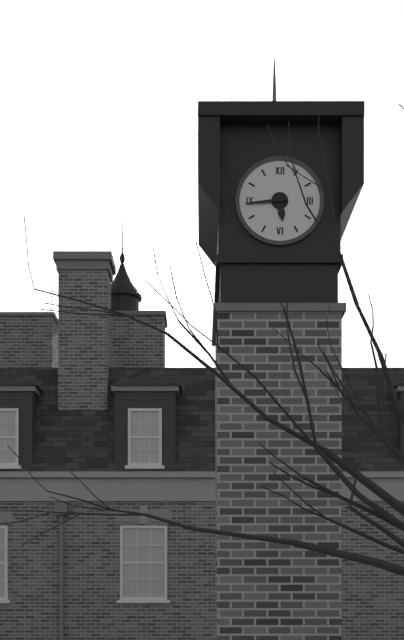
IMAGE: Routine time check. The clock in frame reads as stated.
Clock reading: 5:44
